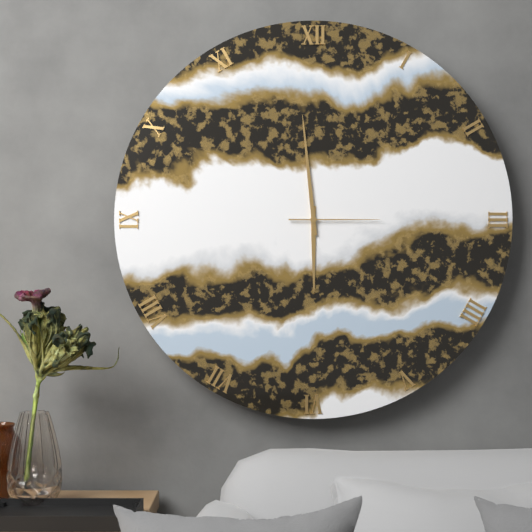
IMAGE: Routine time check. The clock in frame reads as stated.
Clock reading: 5:59:15
